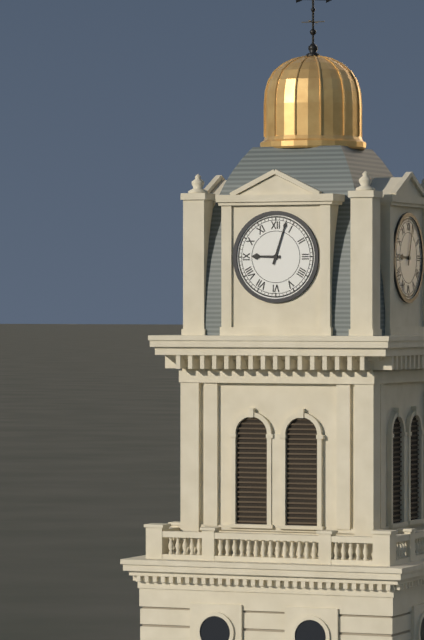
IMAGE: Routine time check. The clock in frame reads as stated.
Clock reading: 9:03
